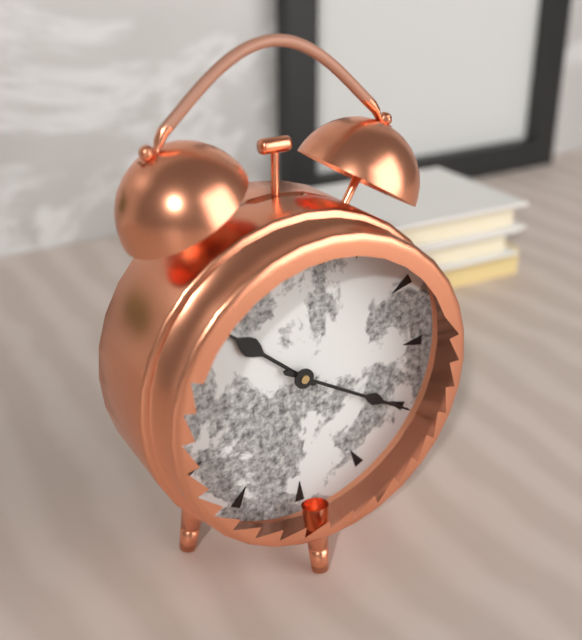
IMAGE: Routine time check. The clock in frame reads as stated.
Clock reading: 10:20
